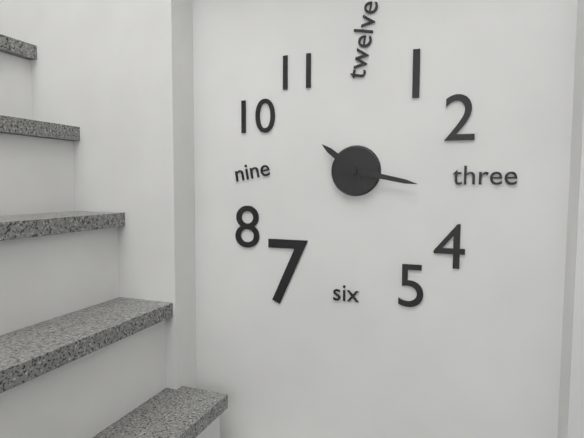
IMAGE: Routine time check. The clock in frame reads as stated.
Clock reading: 10:17
